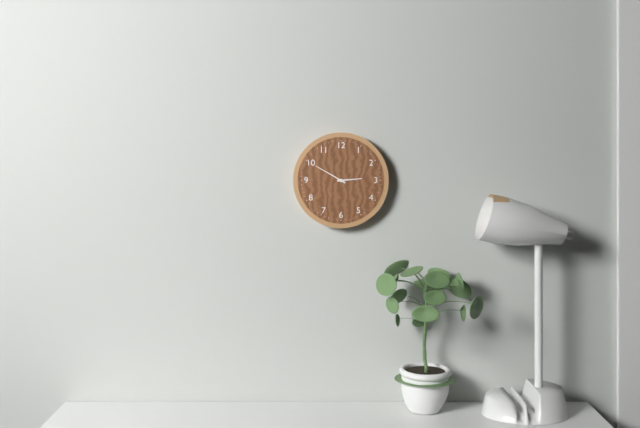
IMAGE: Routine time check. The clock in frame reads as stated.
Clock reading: 2:50
